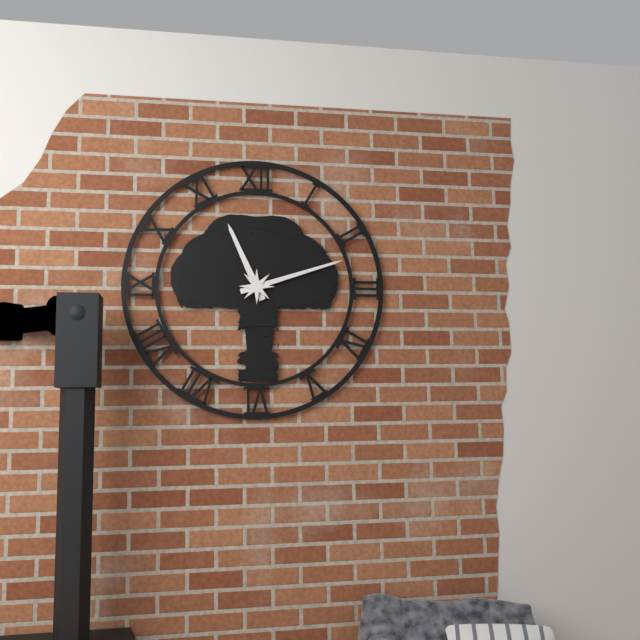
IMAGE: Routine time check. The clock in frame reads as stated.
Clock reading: 11:12
